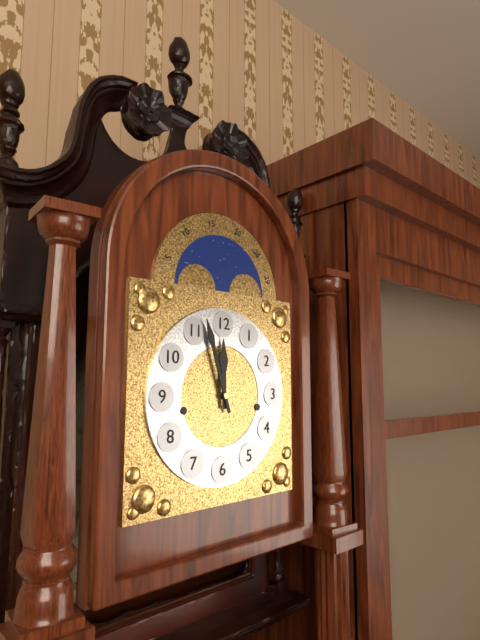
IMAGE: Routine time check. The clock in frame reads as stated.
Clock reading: 11:57
